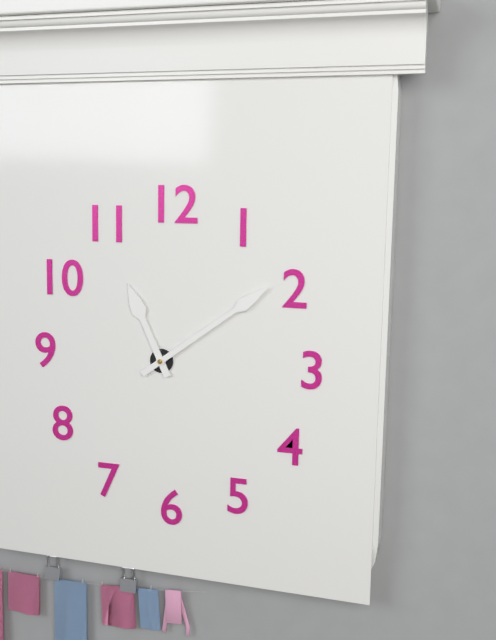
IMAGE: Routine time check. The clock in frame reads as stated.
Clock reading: 11:09
